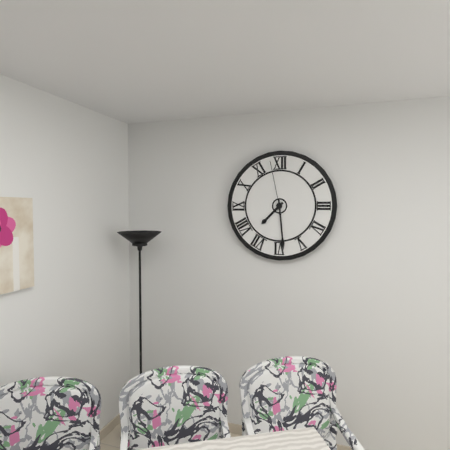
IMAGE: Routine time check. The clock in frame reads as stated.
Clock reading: 7:29:58
